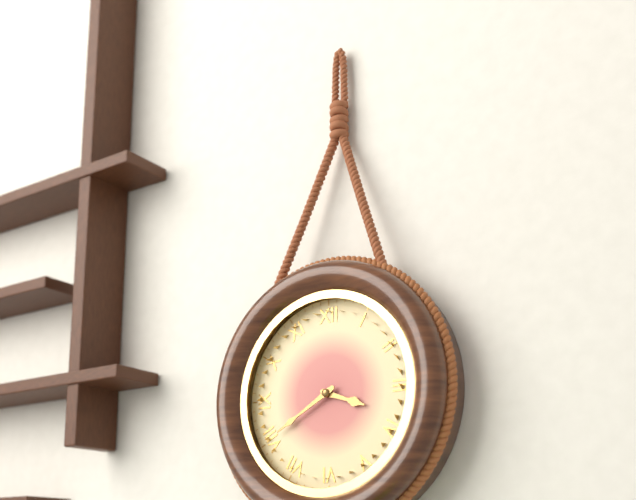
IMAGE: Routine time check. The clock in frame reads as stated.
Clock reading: 3:40
